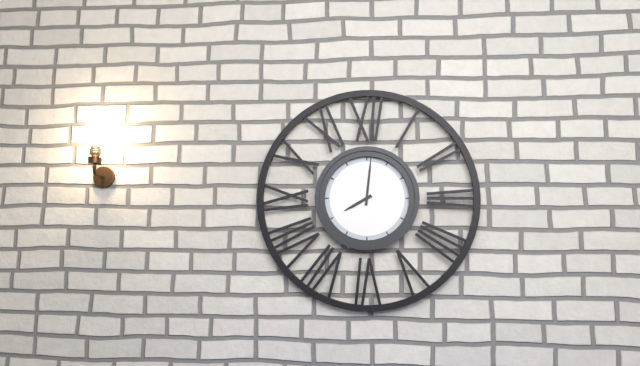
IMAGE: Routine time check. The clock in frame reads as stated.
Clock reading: 8:01
